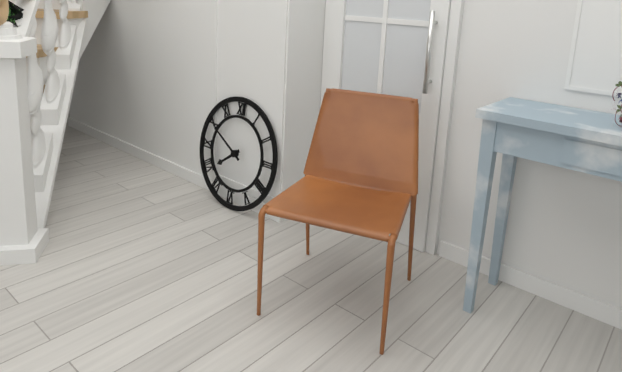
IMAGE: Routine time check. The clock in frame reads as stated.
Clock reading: 7:50
